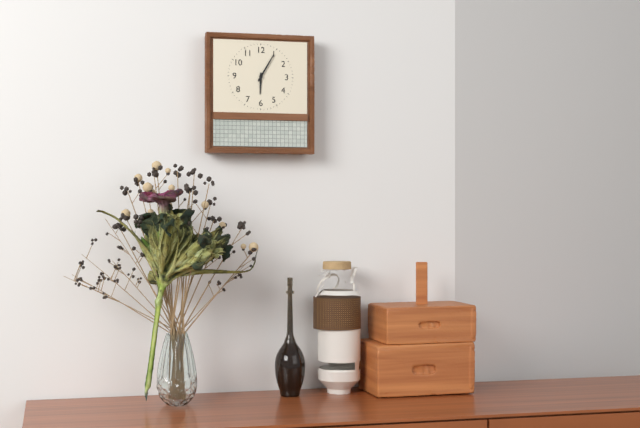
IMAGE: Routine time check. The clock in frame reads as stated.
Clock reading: 6:05
